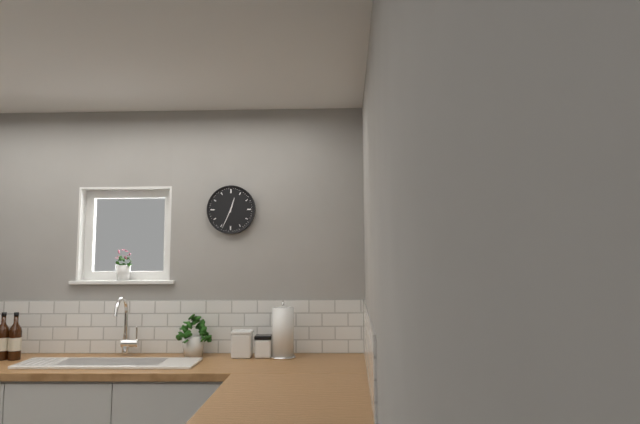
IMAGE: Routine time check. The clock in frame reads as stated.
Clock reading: 12:34
